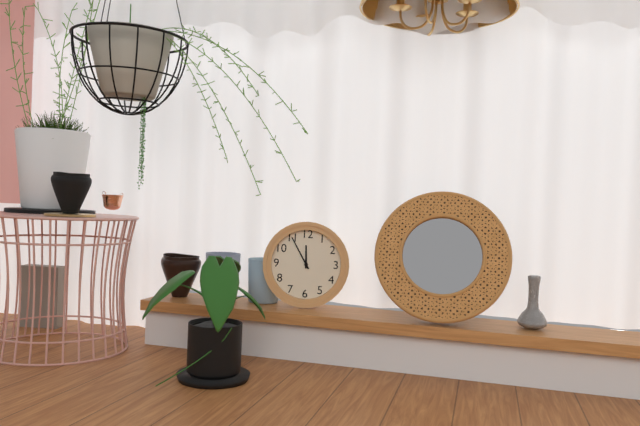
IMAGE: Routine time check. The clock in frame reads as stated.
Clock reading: 11:55
